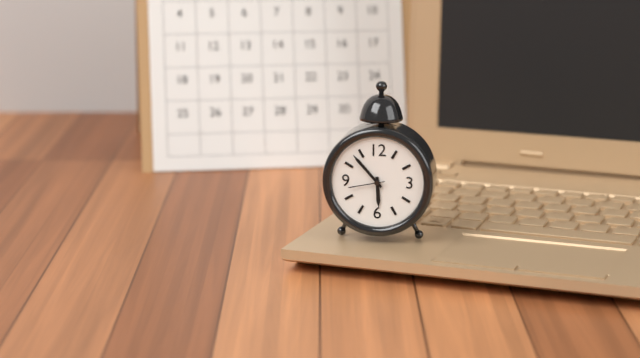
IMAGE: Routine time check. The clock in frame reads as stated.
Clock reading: 5:53
